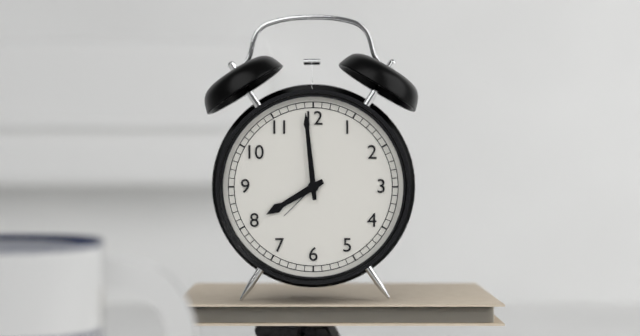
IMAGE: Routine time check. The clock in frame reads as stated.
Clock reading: 7:59
